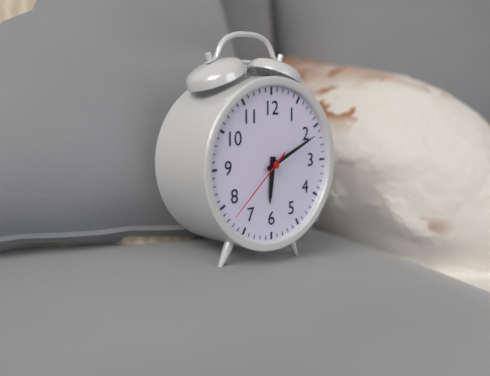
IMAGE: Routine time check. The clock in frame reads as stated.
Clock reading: 6:11:38
